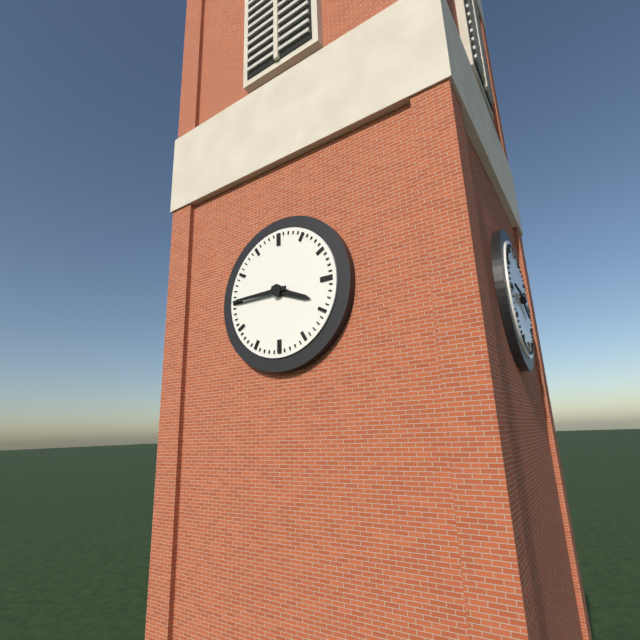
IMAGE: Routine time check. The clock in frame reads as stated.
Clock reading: 3:45
